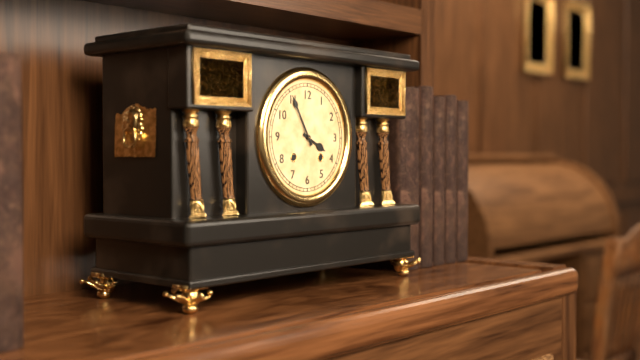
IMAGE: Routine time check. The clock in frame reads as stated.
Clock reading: 3:55
